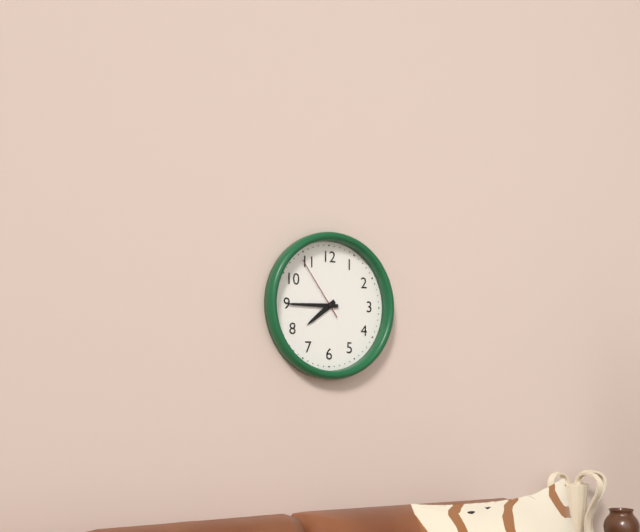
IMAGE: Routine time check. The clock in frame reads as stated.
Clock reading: 7:45:54
